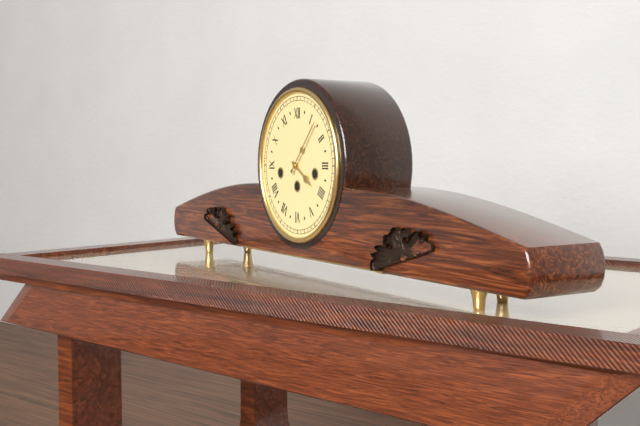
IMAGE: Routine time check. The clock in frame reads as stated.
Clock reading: 4:07
